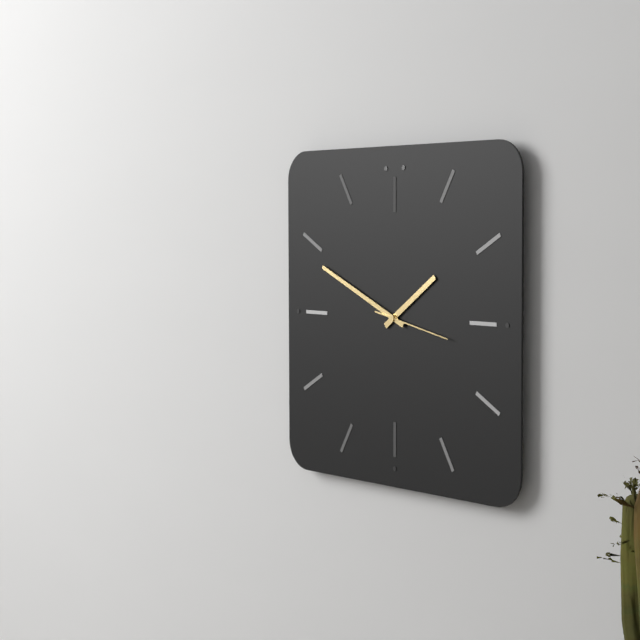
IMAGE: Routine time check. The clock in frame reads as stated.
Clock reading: 1:49:17
